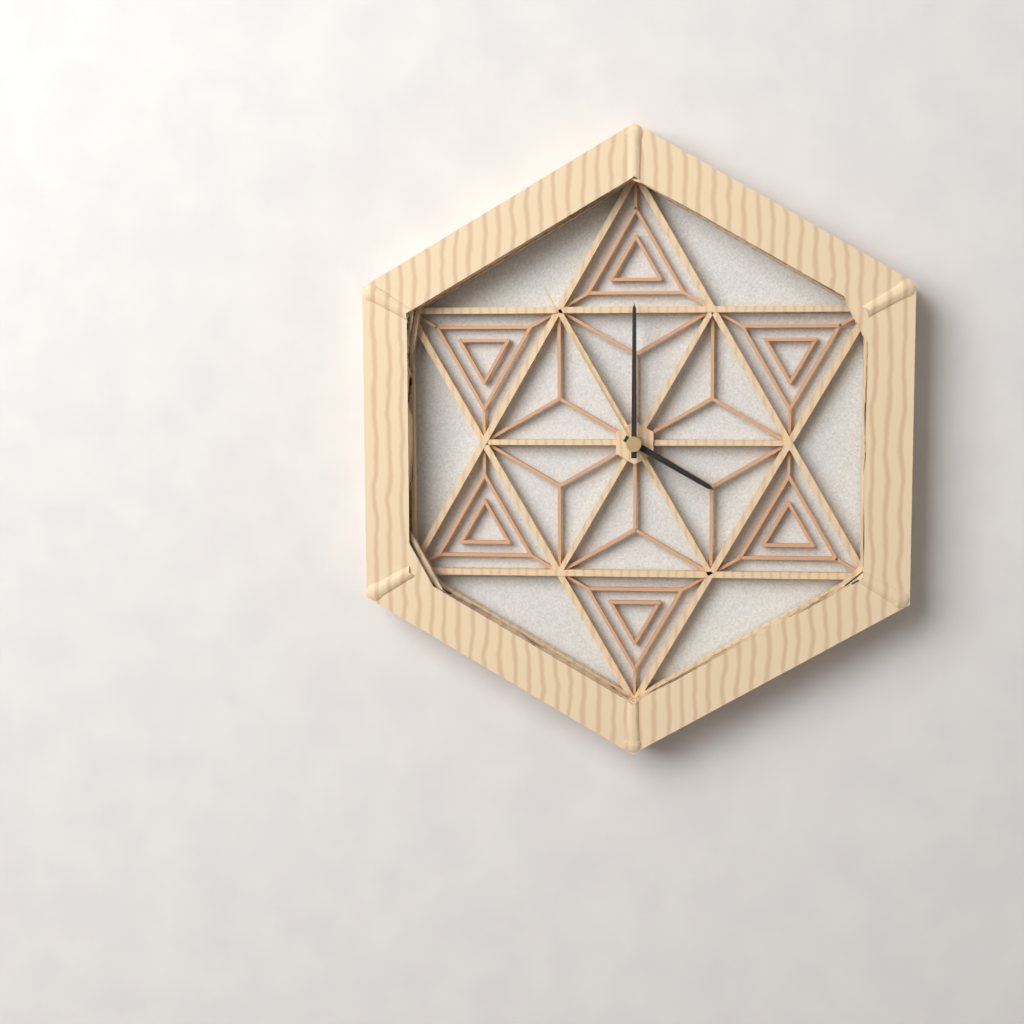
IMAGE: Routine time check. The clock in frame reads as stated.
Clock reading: 4:00:55
